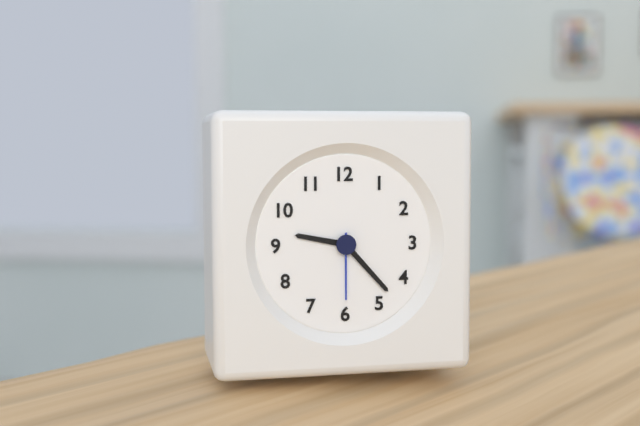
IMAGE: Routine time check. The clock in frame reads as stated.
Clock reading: 9:23:30
